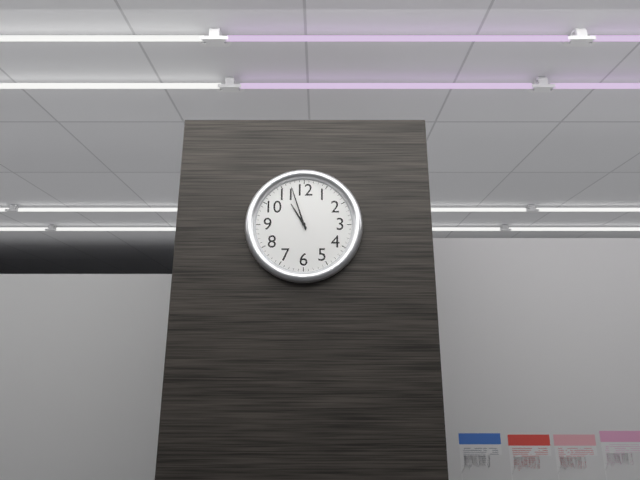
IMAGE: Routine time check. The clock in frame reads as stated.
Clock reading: 10:57
